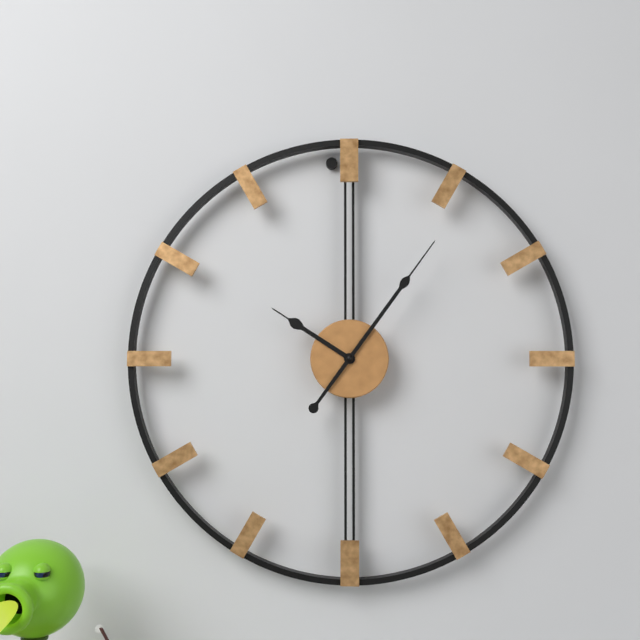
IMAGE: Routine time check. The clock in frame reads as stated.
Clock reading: 10:06
